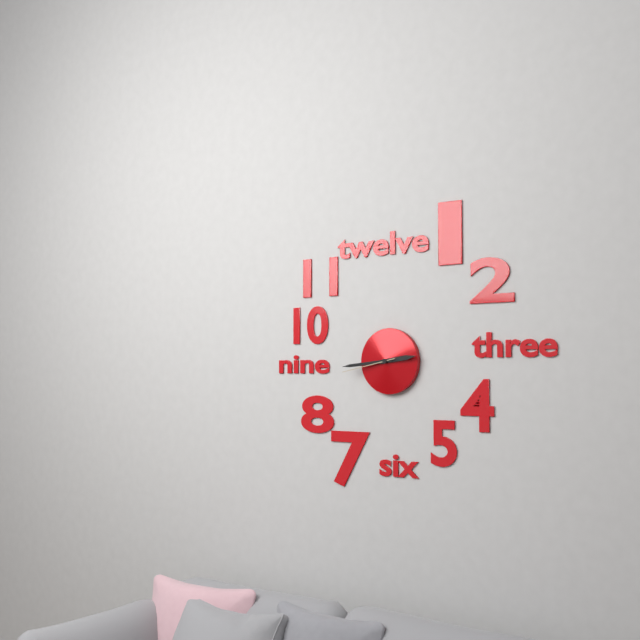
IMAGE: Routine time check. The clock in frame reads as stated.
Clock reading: 2:44:43
